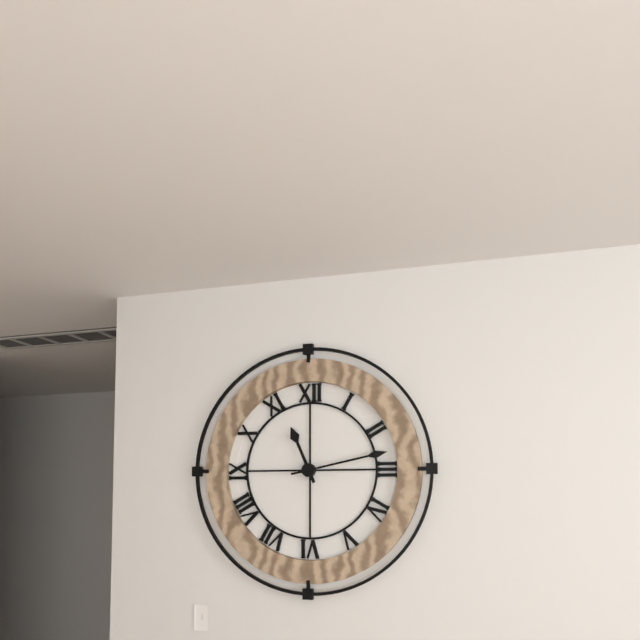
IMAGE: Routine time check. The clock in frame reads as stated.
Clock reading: 11:13
